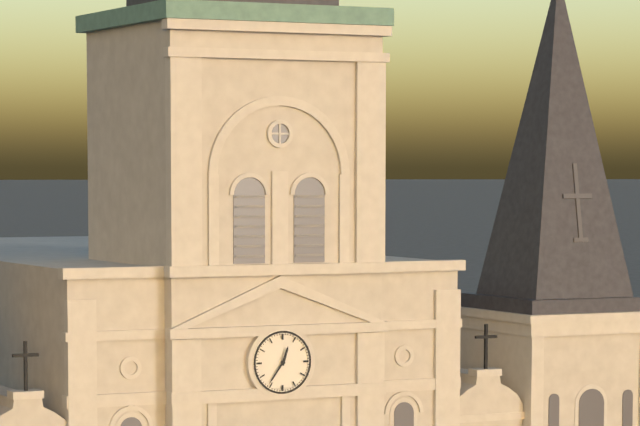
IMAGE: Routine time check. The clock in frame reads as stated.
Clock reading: 12:36
